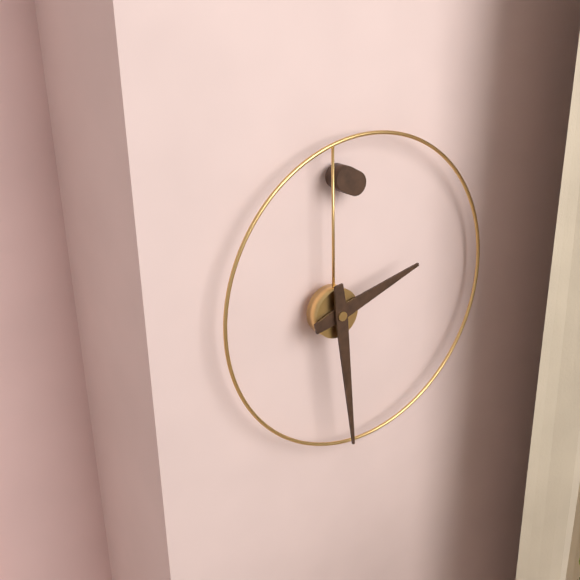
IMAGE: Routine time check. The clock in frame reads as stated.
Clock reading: 2:29
